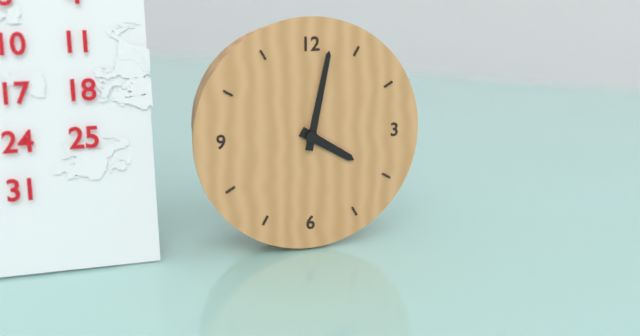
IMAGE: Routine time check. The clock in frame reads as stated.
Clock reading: 4:02
